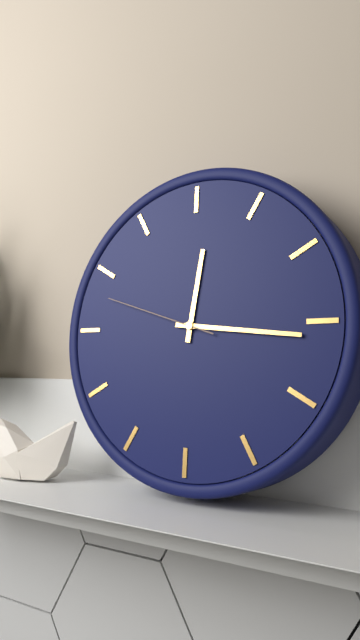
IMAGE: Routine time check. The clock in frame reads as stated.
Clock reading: 12:16:48
